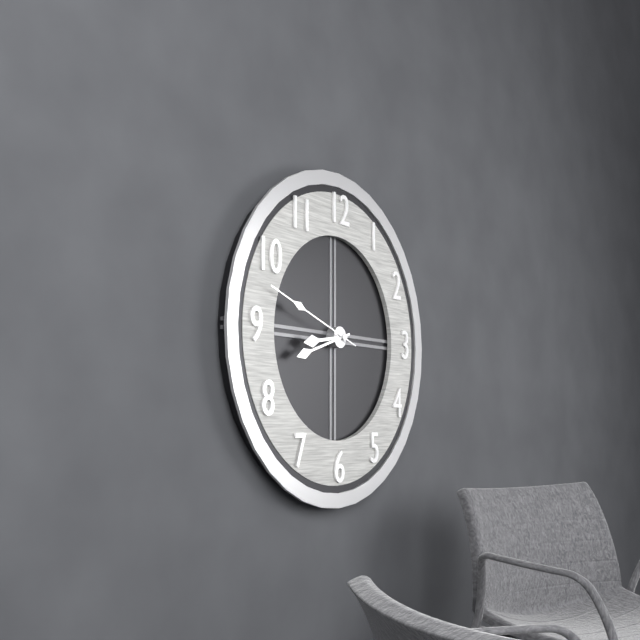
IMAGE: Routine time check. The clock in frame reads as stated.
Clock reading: 8:42:48
